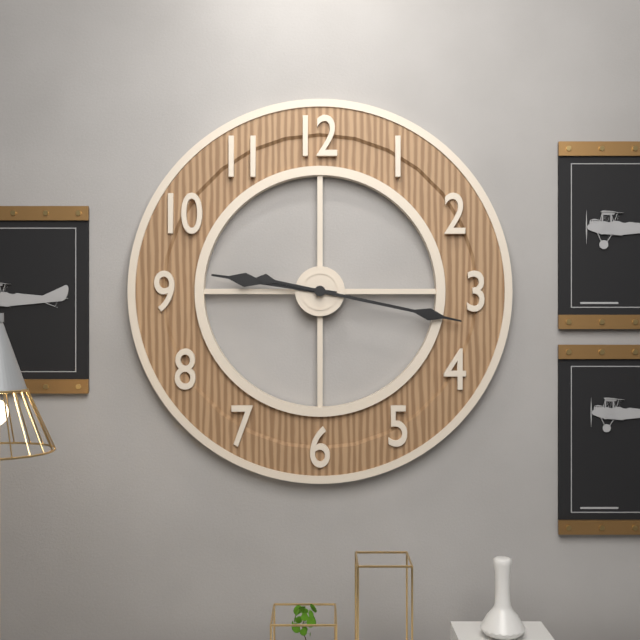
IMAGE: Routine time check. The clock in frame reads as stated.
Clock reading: 9:17
